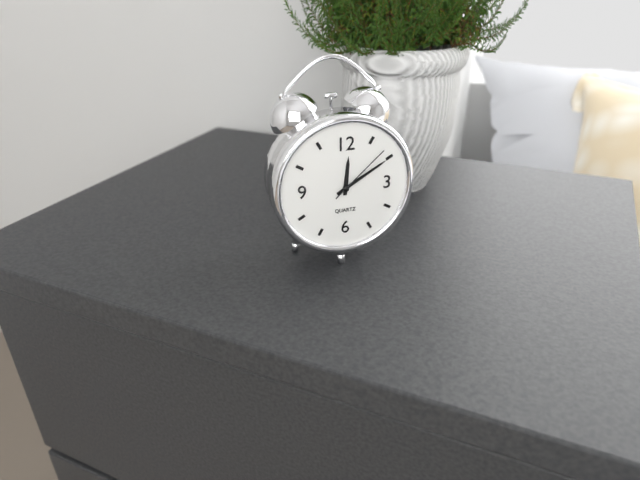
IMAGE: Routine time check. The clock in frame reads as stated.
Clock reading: 12:10:08
